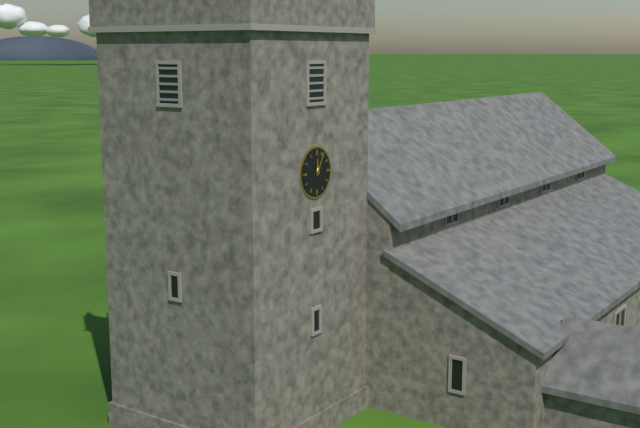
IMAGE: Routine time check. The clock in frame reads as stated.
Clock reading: 12:05
